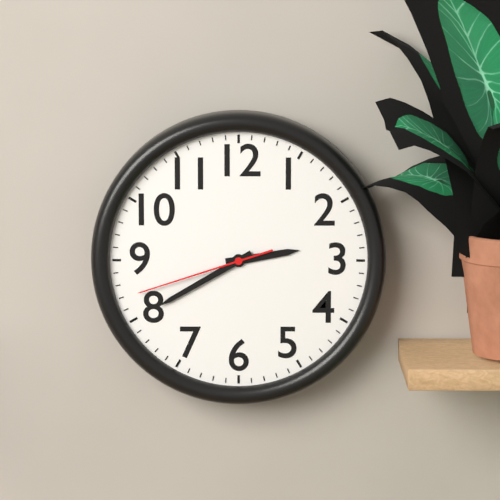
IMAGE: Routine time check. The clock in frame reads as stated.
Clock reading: 2:40:42
